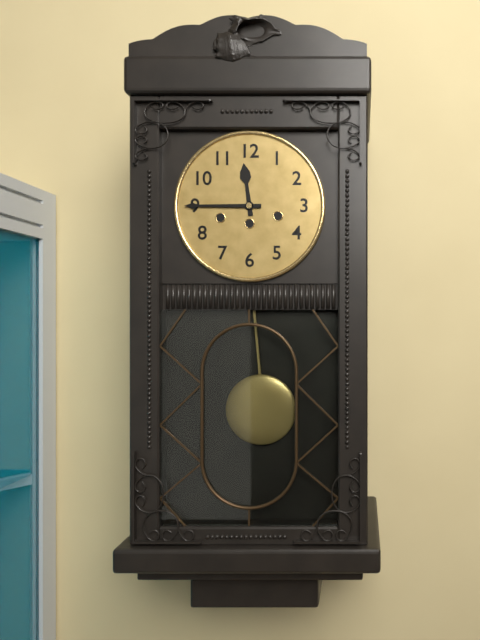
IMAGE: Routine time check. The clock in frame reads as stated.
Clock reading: 11:45
